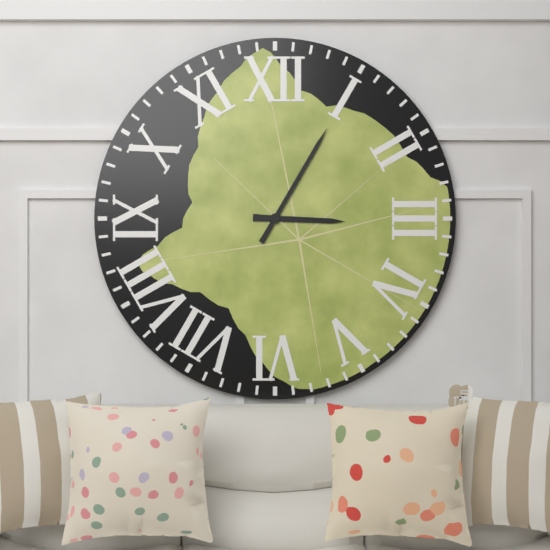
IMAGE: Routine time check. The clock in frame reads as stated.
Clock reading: 3:05
